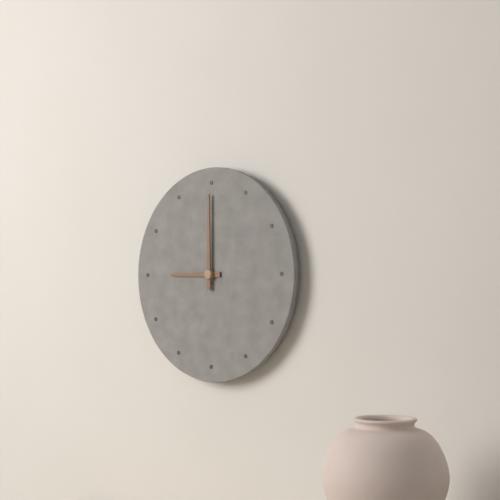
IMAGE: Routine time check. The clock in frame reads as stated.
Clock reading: 9:00
